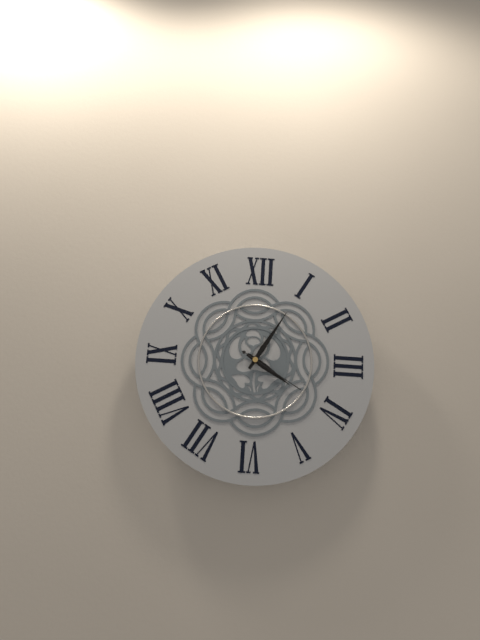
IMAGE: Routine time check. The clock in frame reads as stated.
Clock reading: 4:05:20
